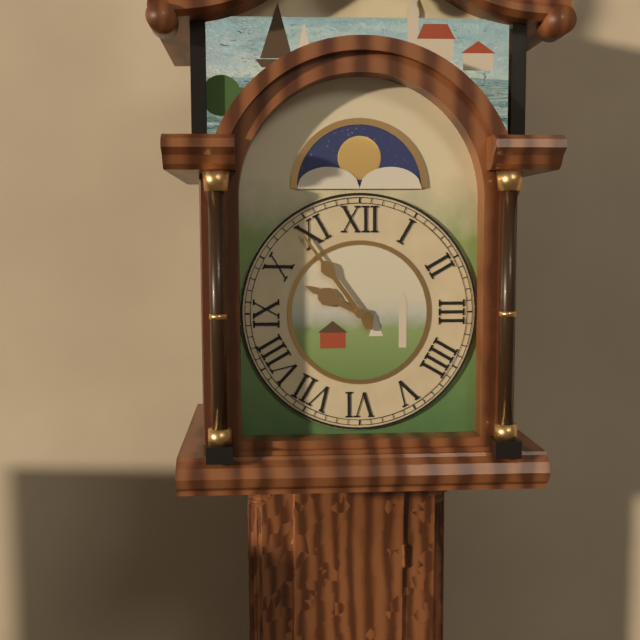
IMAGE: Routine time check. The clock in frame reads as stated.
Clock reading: 9:54
